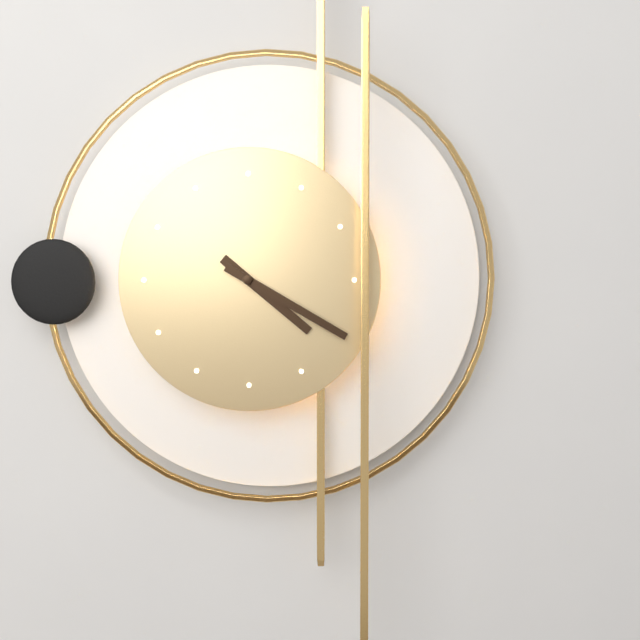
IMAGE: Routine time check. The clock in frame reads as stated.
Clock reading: 4:20
